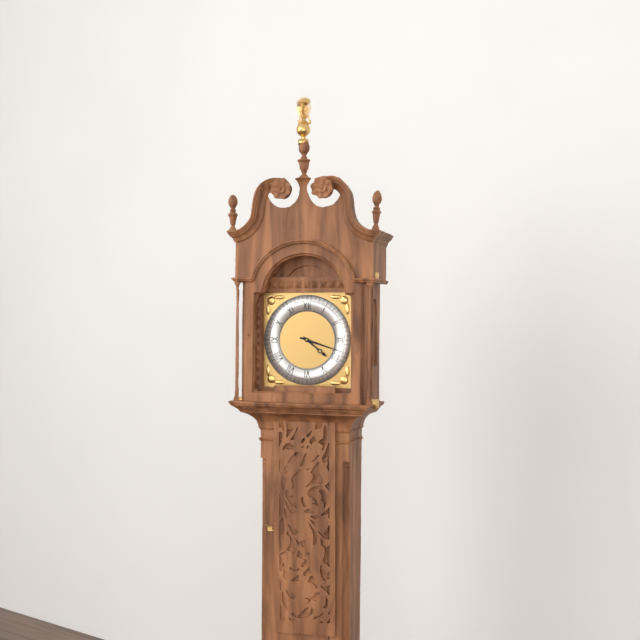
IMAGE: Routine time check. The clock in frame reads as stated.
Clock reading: 4:18
